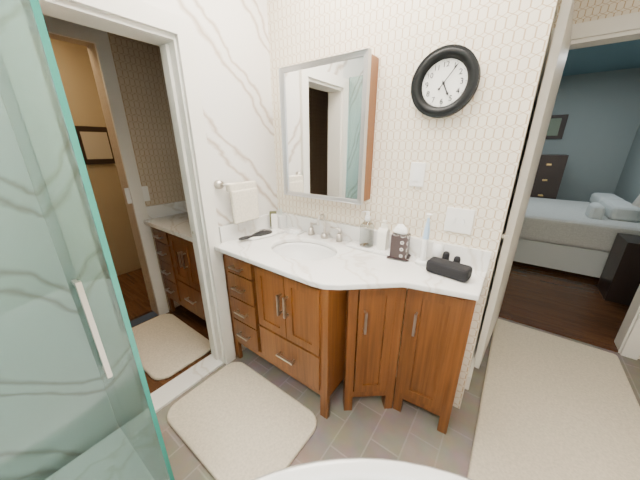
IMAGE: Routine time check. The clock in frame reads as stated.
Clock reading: 5:06
